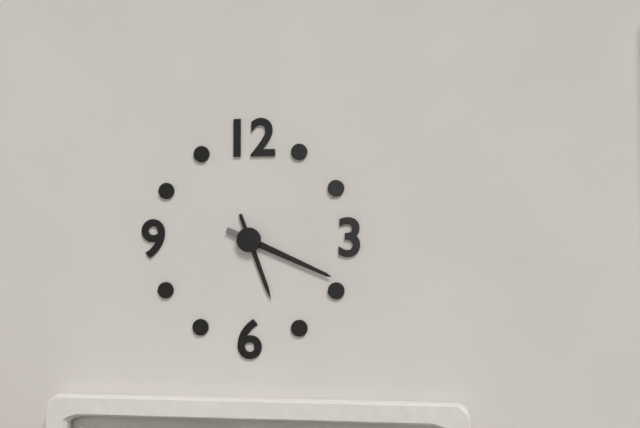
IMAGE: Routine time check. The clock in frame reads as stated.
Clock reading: 5:19
